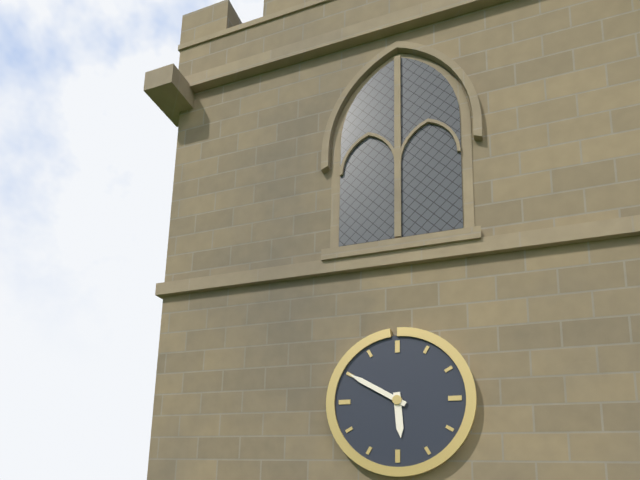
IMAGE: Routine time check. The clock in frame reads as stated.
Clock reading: 5:50
